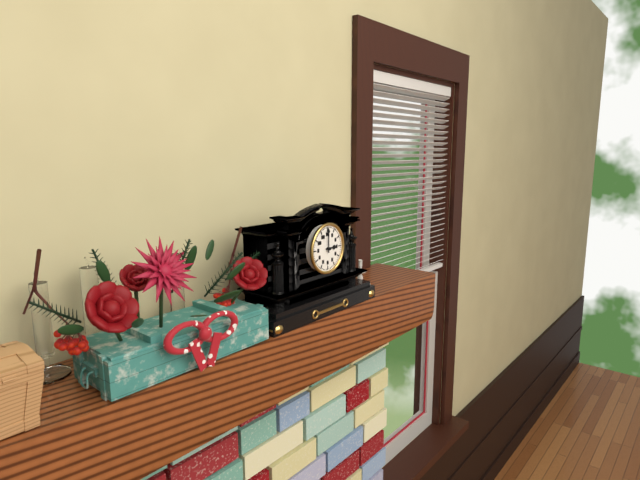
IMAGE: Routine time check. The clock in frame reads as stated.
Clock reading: 3:00
